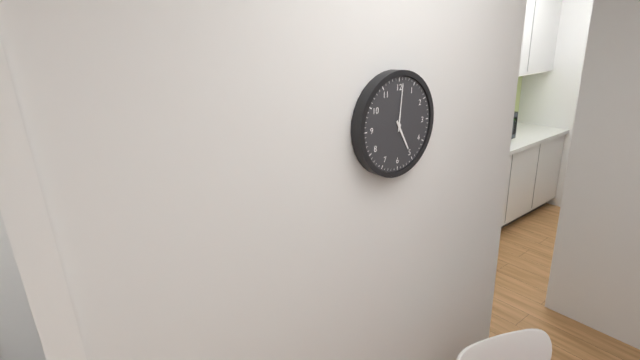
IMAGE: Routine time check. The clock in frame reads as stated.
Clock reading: 5:01
